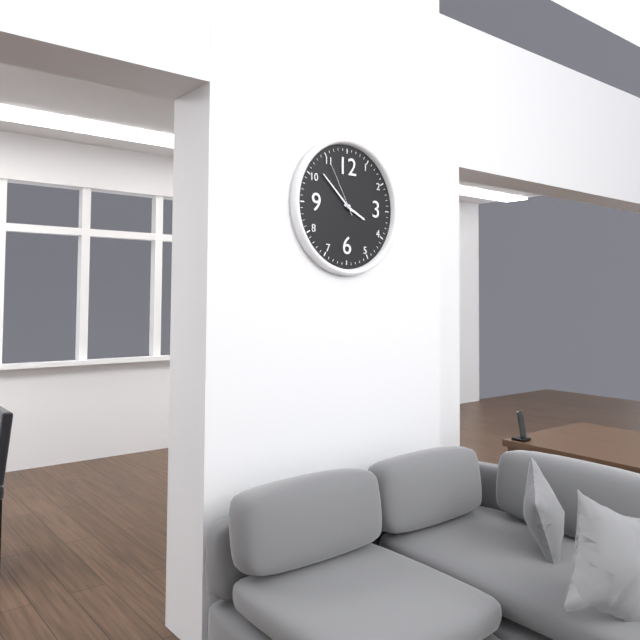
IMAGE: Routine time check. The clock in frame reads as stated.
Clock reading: 3:52:55
